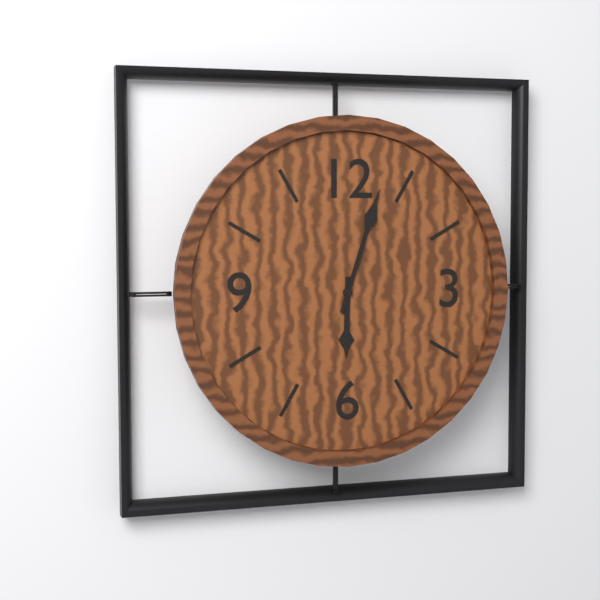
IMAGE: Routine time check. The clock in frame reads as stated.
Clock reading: 6:03
